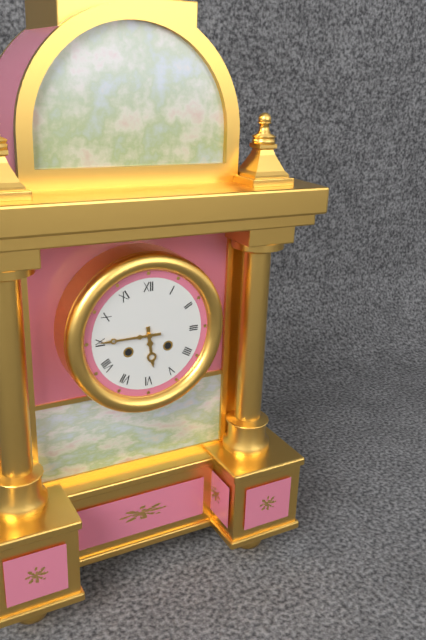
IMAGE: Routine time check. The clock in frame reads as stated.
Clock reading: 5:45
